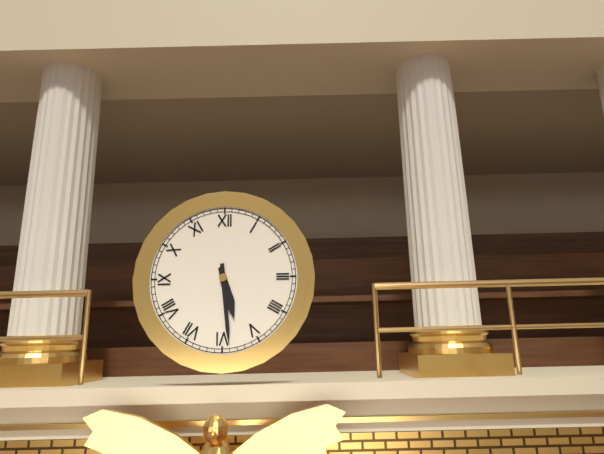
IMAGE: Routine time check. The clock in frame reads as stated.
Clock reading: 5:29
